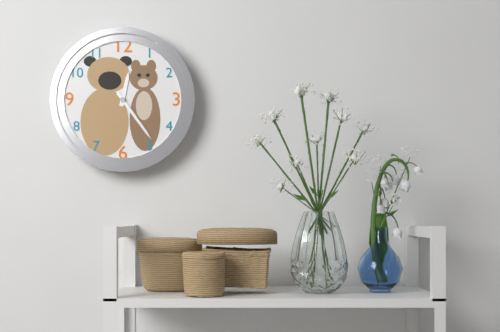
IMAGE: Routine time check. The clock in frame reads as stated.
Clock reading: 12:24
